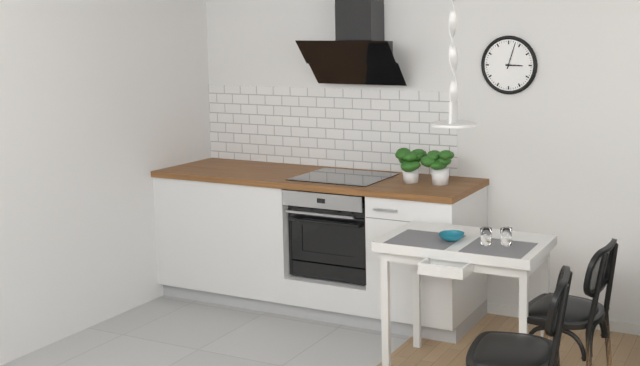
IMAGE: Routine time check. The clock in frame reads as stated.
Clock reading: 3:03
